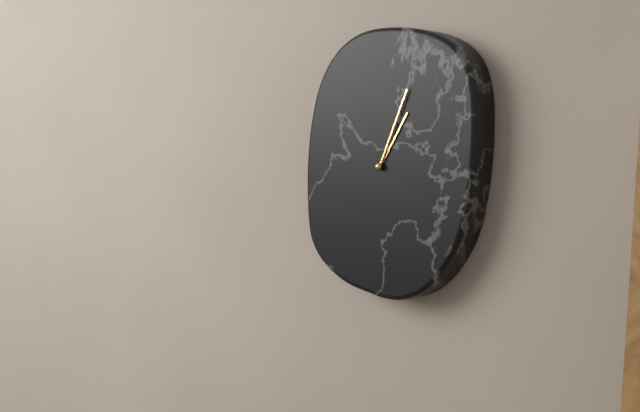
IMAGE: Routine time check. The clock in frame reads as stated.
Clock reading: 1:04
